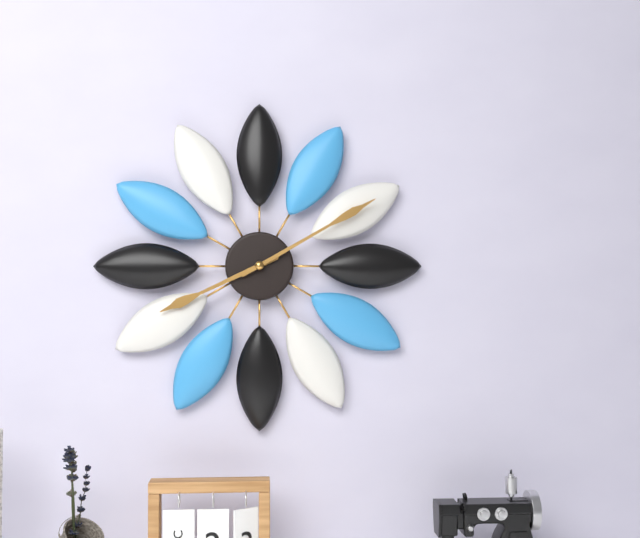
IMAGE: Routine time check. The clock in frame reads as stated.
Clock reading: 8:10
